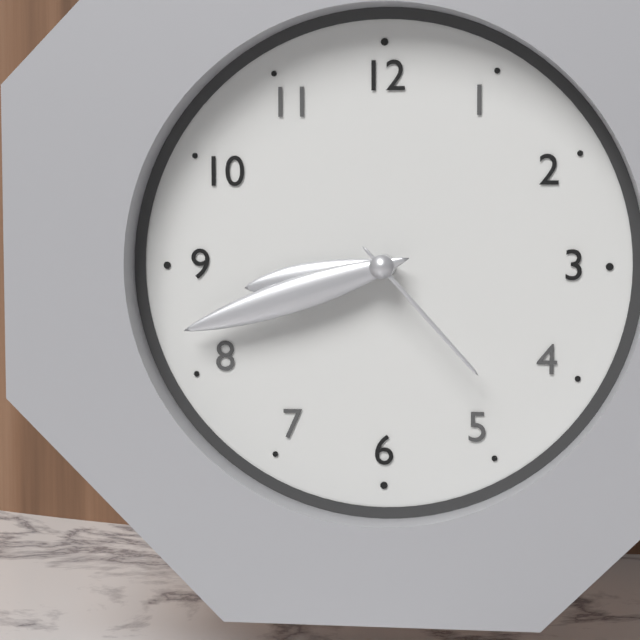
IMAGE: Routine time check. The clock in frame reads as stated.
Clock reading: 8:42:23
